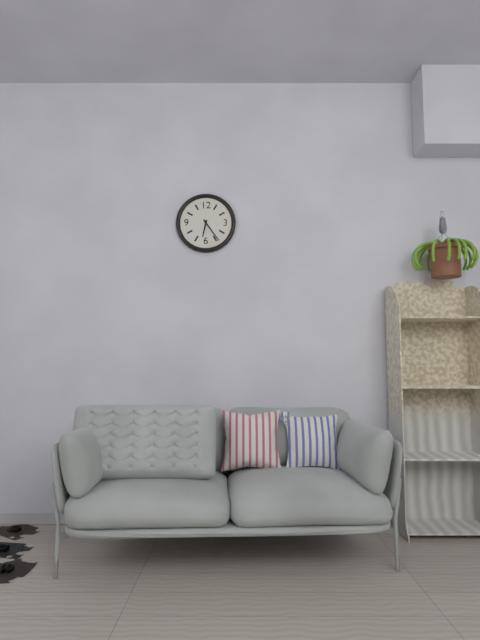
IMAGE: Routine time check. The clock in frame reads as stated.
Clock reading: 6:24
